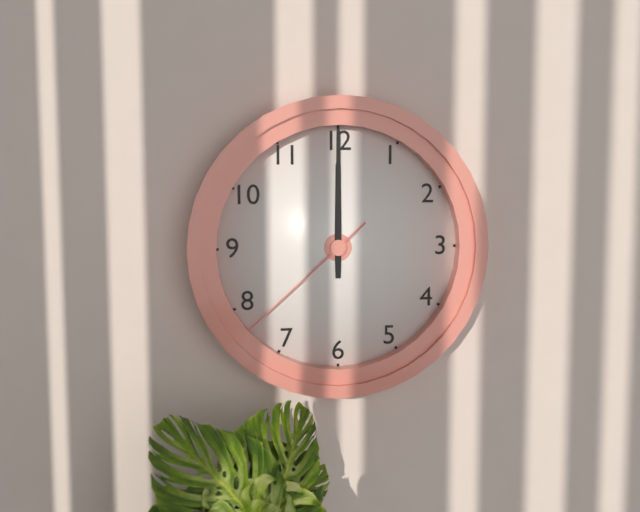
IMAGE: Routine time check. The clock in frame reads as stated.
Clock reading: 12:00:38
